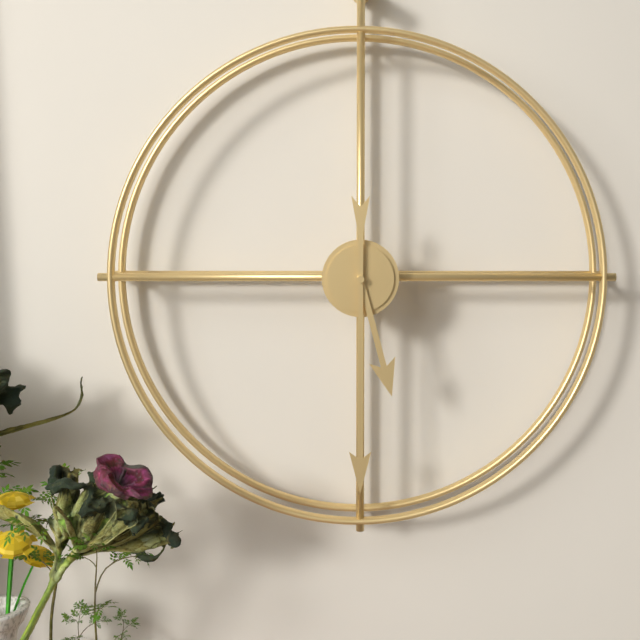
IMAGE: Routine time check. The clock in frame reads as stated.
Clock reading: 5:30
